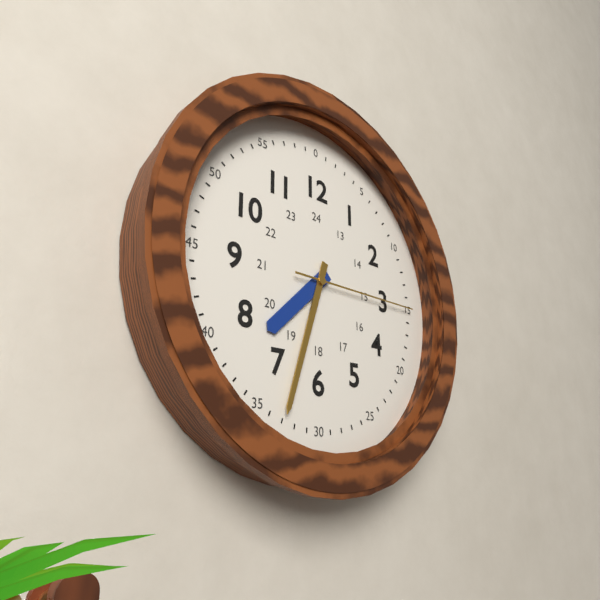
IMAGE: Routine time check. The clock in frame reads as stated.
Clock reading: 7:33:15
